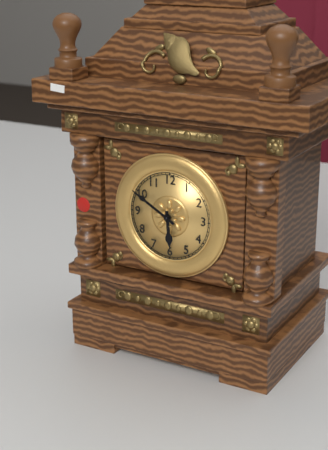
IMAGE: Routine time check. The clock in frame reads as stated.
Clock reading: 5:50
